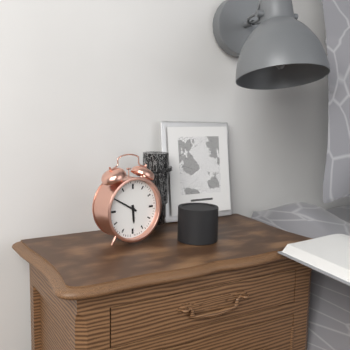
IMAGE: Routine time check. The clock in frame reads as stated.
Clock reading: 5:50
